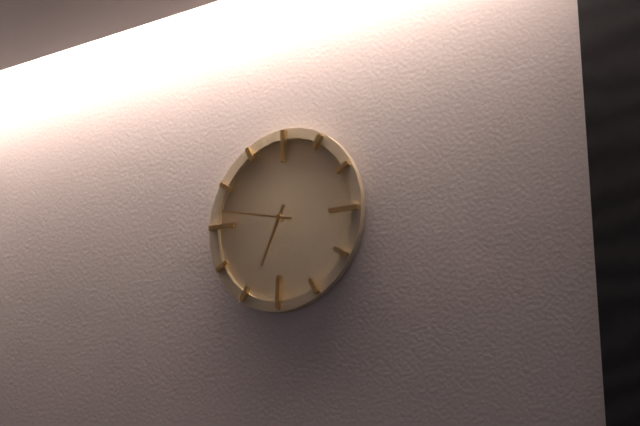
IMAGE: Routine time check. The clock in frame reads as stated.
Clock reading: 6:47
